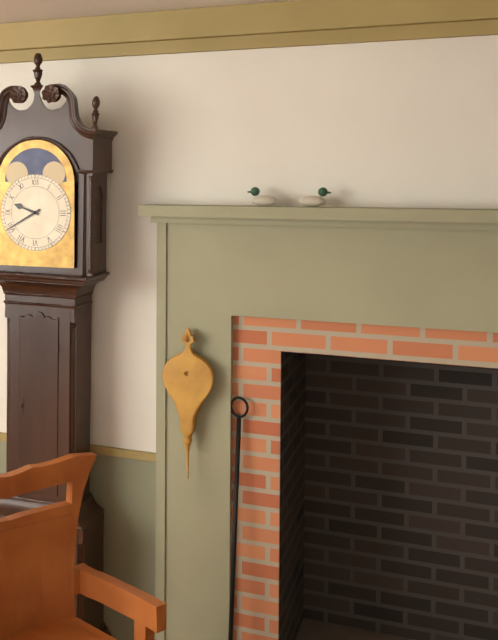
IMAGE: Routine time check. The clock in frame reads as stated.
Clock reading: 9:40
